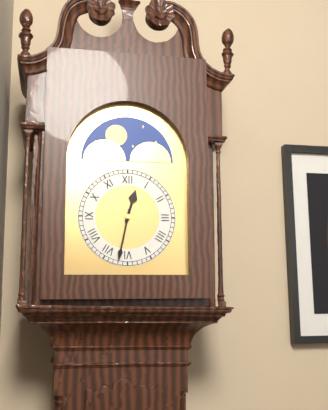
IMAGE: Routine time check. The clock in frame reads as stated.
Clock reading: 12:32
